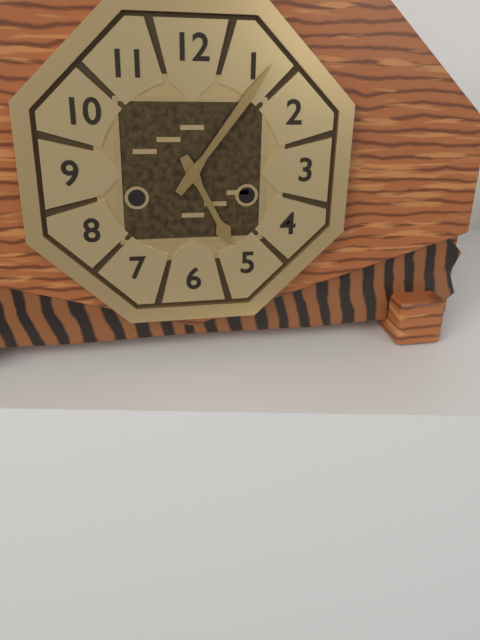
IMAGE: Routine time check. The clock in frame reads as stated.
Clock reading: 5:06
